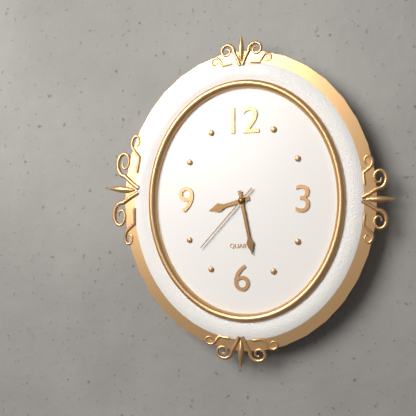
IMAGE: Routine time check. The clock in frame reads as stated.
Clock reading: 8:28:37
